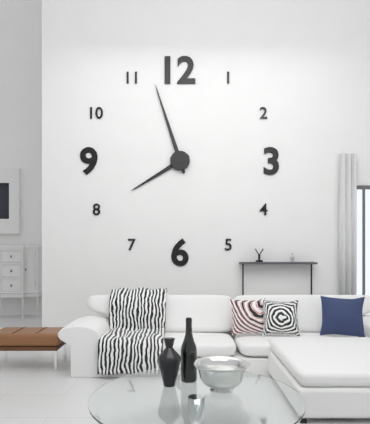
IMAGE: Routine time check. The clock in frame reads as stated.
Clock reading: 7:57
